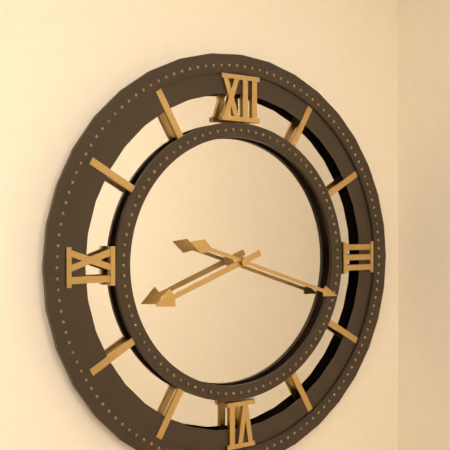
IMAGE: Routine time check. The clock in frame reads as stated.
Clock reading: 8:18
